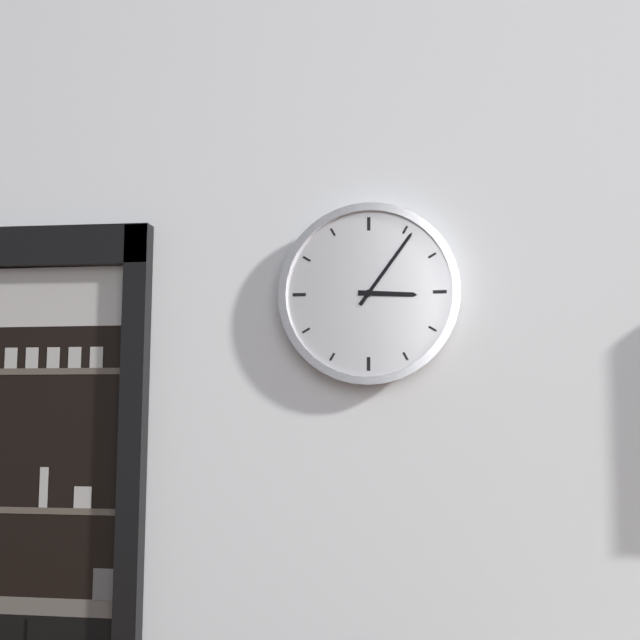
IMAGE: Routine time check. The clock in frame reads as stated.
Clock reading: 3:06
